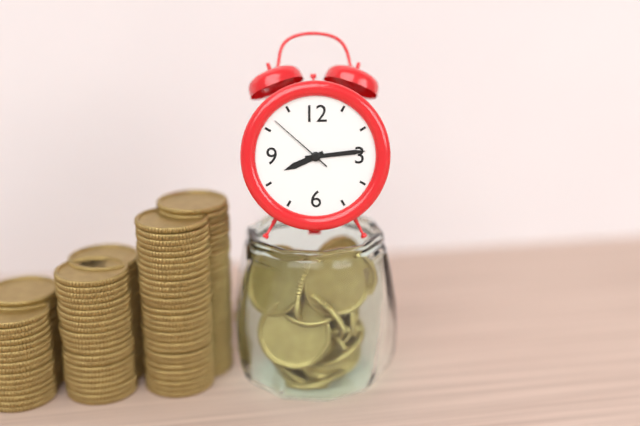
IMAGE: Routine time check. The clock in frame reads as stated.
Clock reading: 8:14:52
